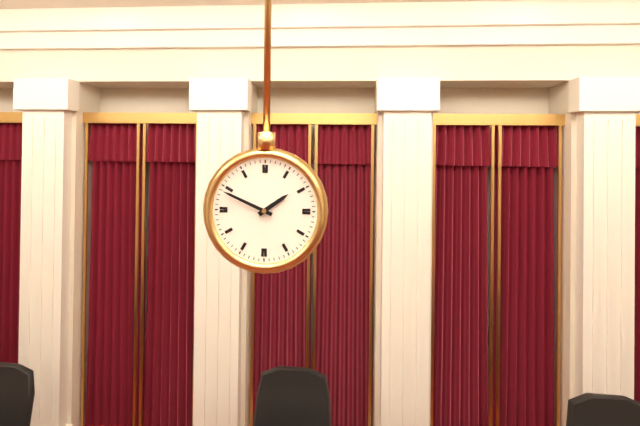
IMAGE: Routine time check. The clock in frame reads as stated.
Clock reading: 1:49
